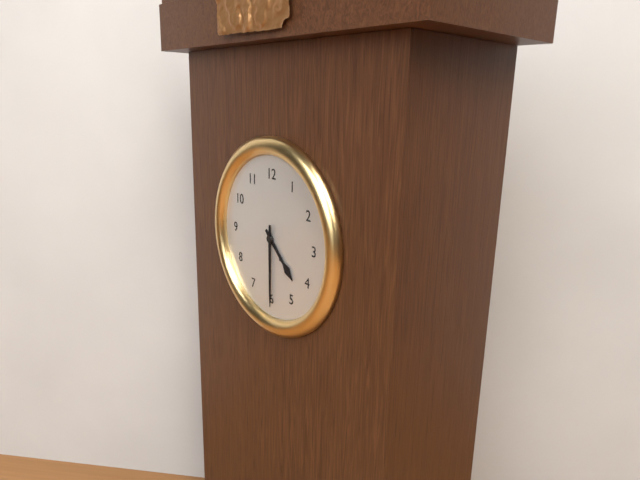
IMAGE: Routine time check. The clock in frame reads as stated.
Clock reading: 4:30
